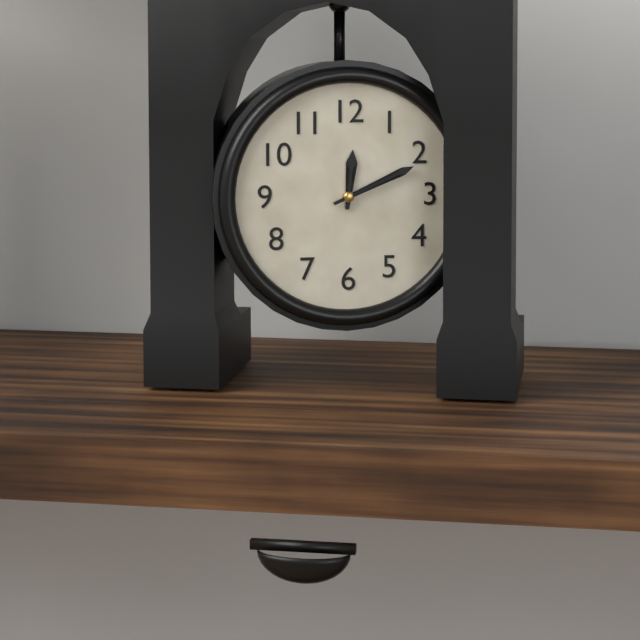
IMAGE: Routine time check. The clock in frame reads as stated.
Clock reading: 12:11
